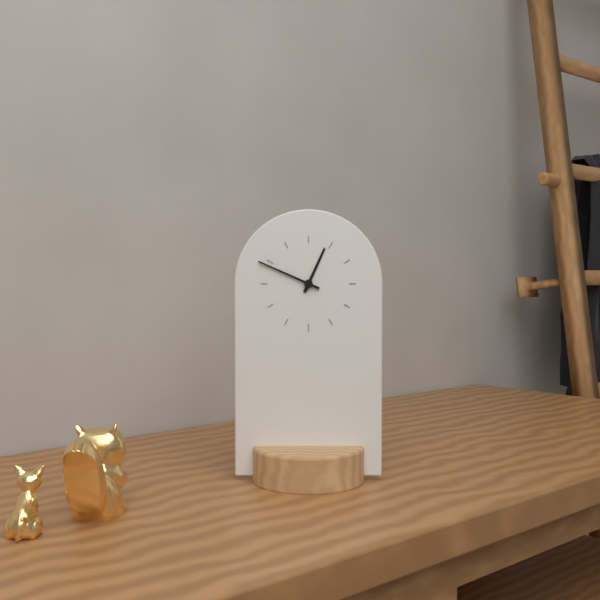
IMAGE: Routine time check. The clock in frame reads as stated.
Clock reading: 12:49
